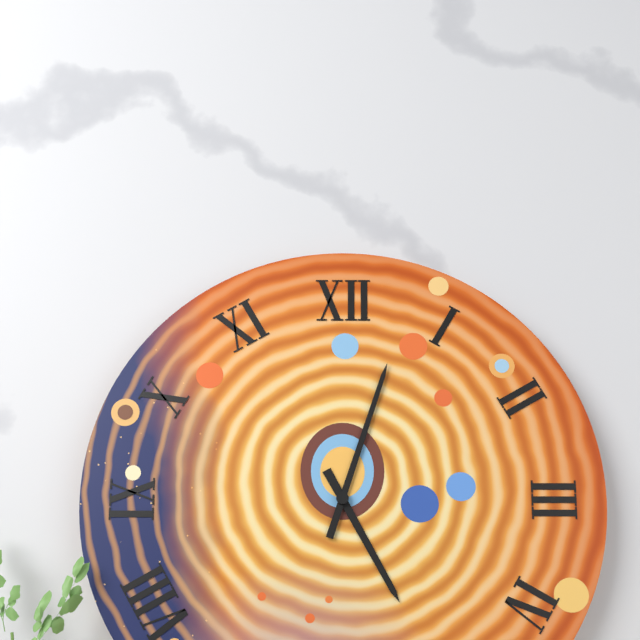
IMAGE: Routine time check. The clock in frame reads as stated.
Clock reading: 5:03
